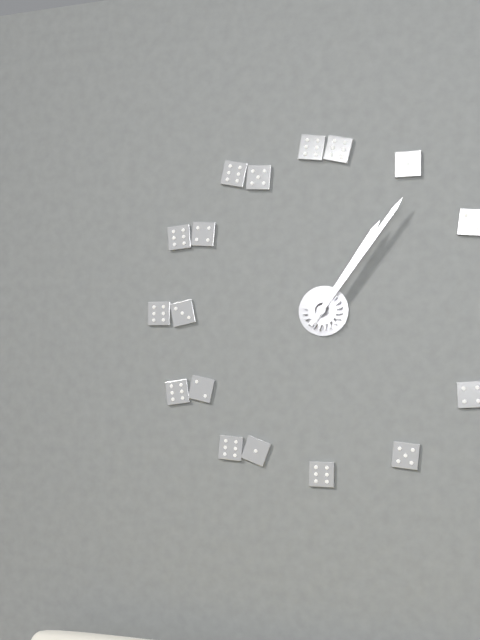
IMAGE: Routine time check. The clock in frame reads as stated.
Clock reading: 1:06
